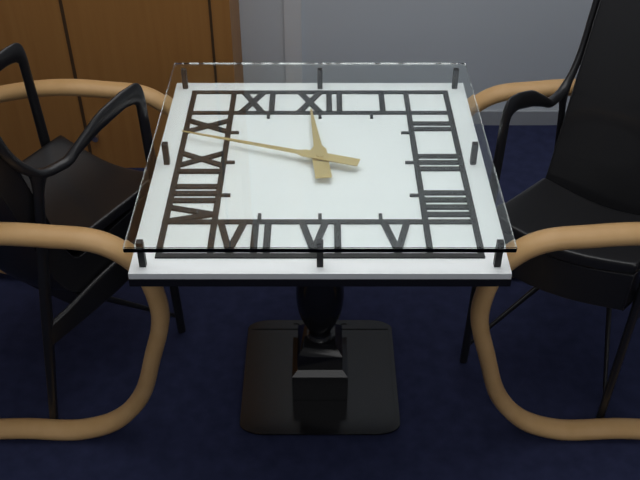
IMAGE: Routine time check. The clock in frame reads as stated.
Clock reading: 11:48
